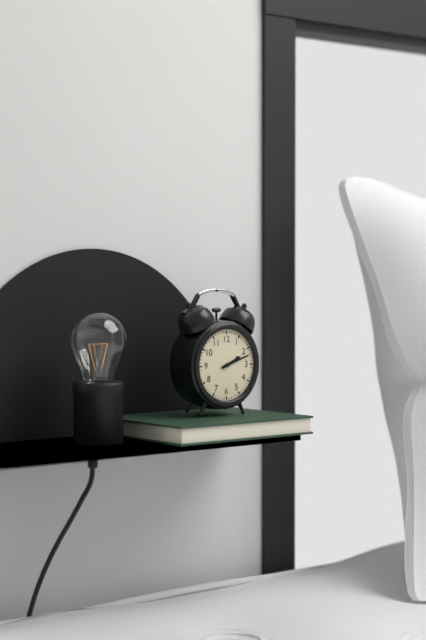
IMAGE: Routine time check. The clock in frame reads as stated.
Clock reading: 2:12
